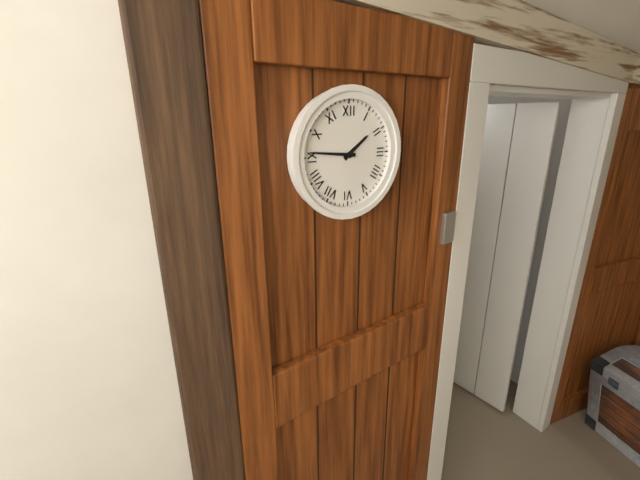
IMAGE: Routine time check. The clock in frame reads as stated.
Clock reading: 1:46
